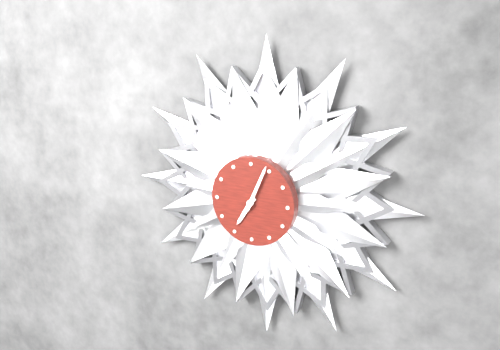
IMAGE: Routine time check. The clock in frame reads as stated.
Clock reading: 7:04
